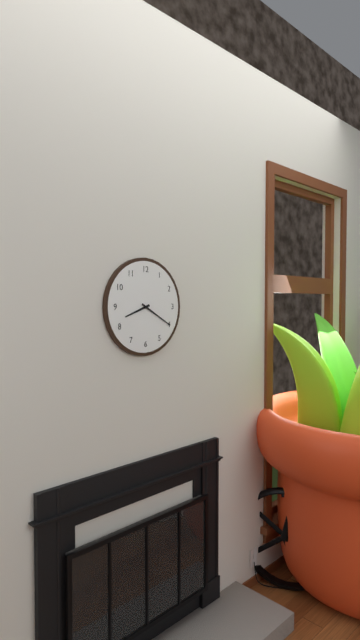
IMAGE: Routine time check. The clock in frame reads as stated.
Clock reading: 8:20
